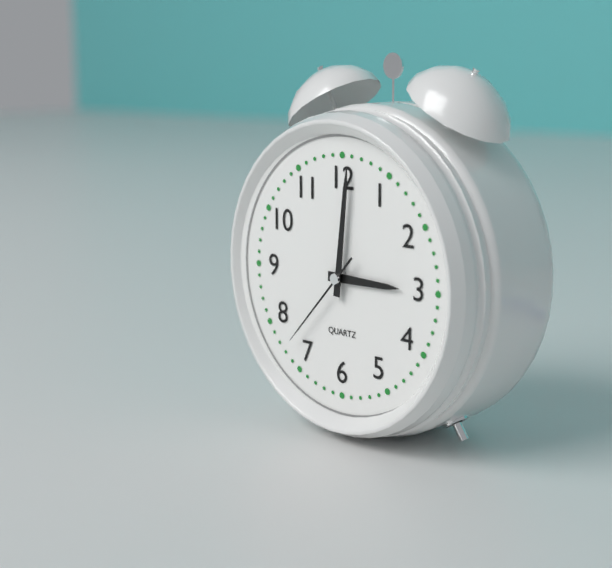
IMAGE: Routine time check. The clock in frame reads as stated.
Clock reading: 3:01:37
